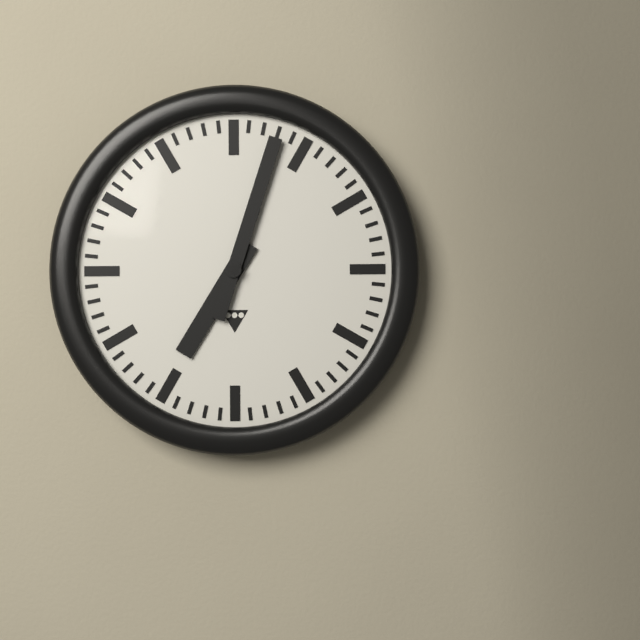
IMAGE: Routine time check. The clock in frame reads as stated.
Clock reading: 7:03
